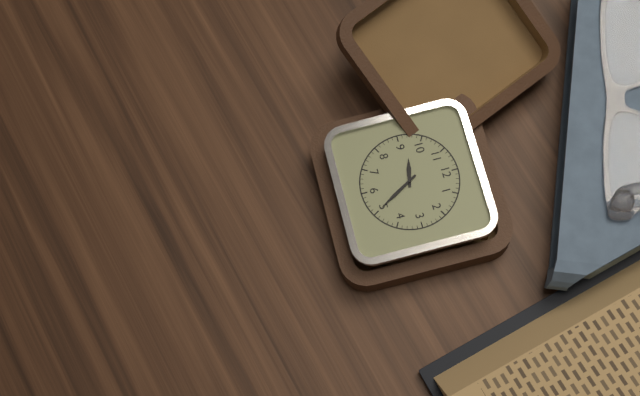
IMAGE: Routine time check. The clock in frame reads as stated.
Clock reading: 9:25
